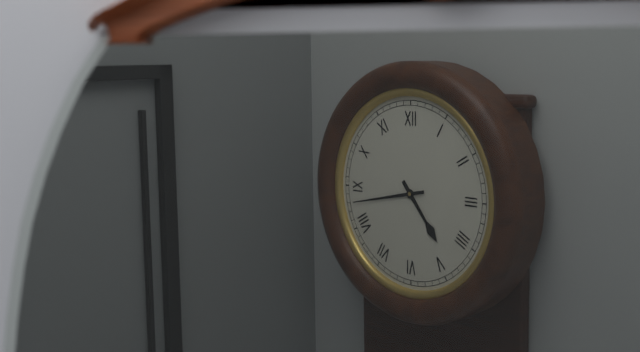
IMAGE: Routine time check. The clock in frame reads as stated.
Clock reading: 4:43
